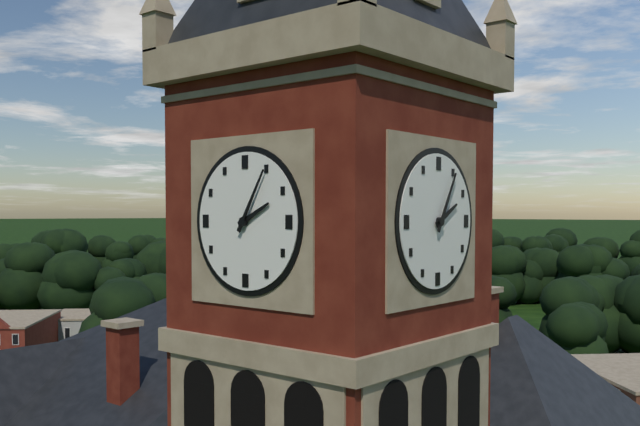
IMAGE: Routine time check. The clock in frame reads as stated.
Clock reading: 2:05
